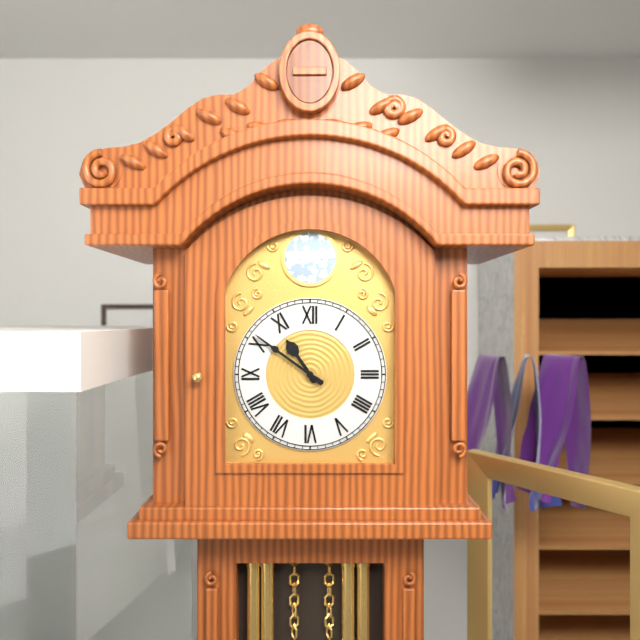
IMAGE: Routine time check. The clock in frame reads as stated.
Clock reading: 10:51
